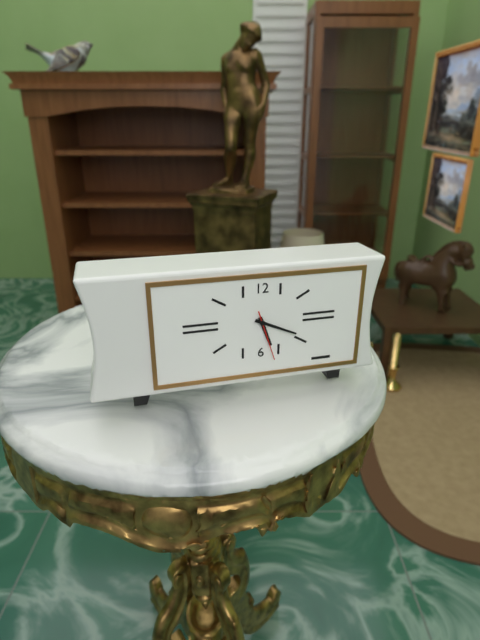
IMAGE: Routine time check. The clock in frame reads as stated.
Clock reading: 5:19
